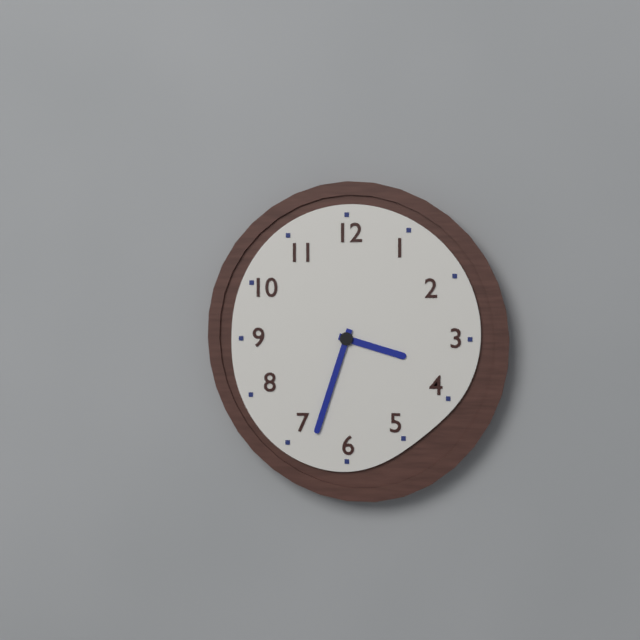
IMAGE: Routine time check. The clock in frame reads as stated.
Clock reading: 3:33
